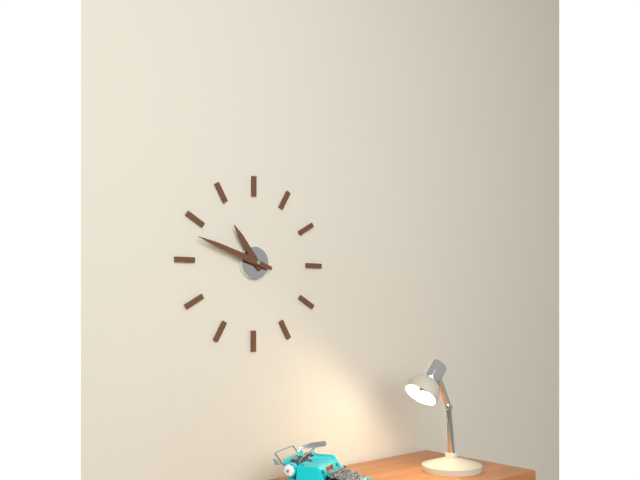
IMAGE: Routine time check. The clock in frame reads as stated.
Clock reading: 10:48
